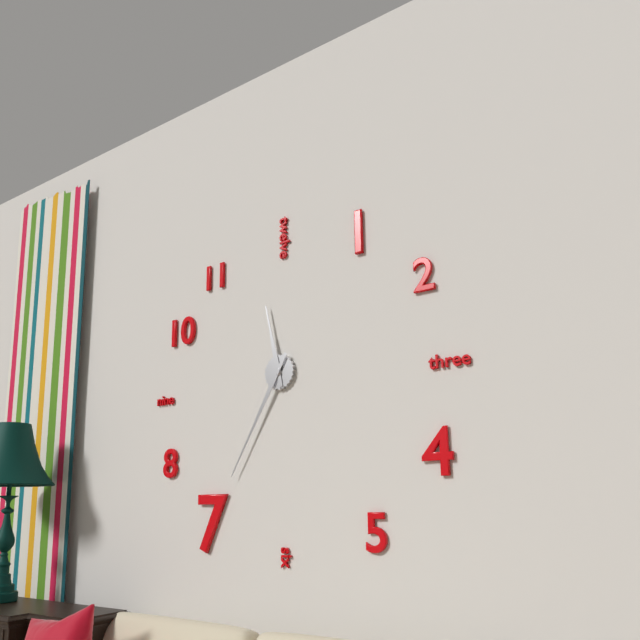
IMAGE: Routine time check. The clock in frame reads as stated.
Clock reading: 11:35
